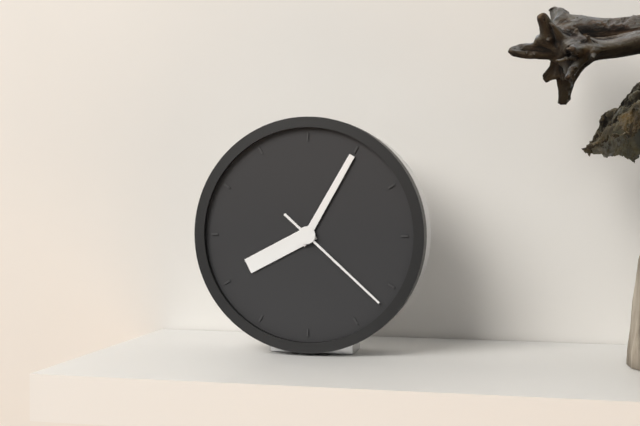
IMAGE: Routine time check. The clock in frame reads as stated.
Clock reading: 8:05:22
